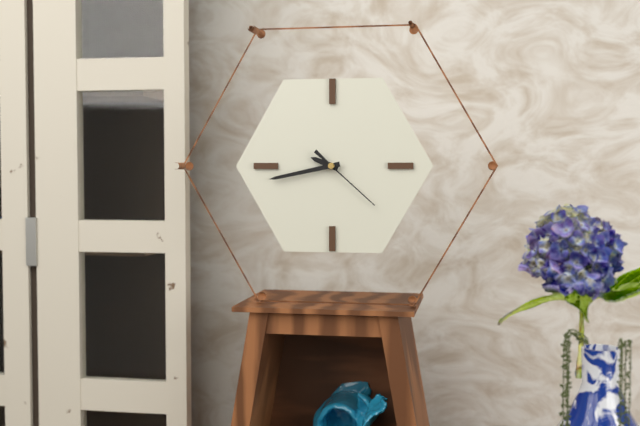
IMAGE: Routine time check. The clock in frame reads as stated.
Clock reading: 9:43:22
